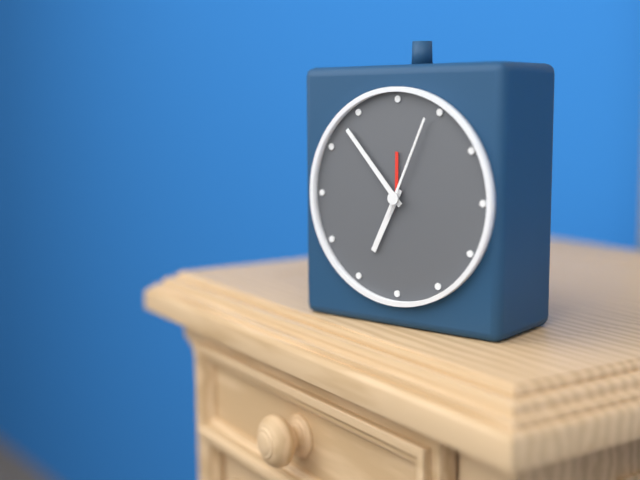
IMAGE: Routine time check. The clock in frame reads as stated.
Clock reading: 6:53:04
